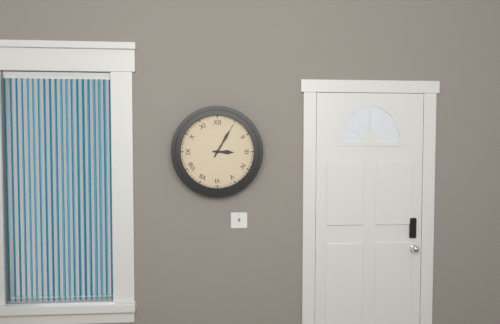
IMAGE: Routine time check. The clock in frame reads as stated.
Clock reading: 3:05
